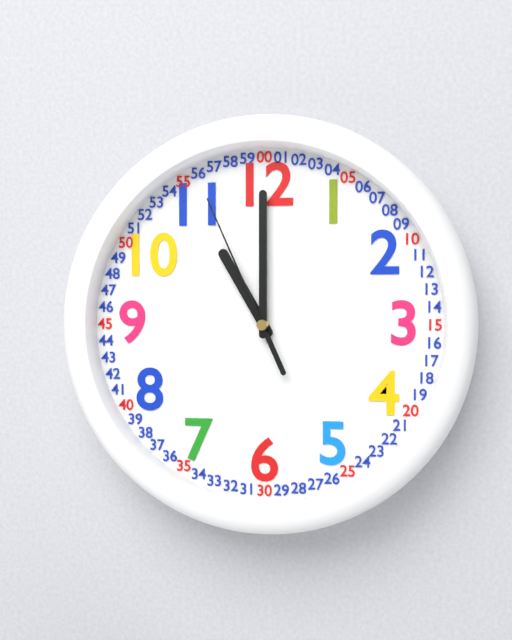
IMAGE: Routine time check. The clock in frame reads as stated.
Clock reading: 11:00:56
